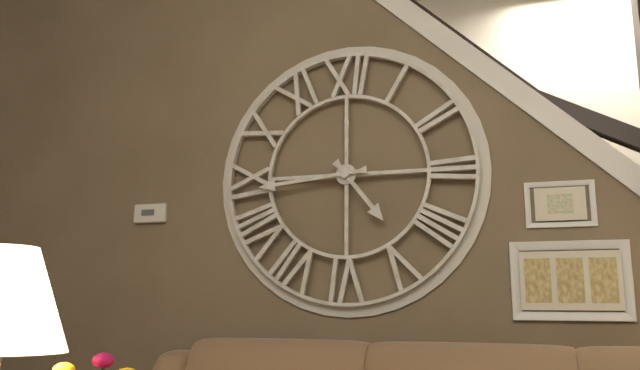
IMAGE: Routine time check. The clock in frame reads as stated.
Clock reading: 4:44
